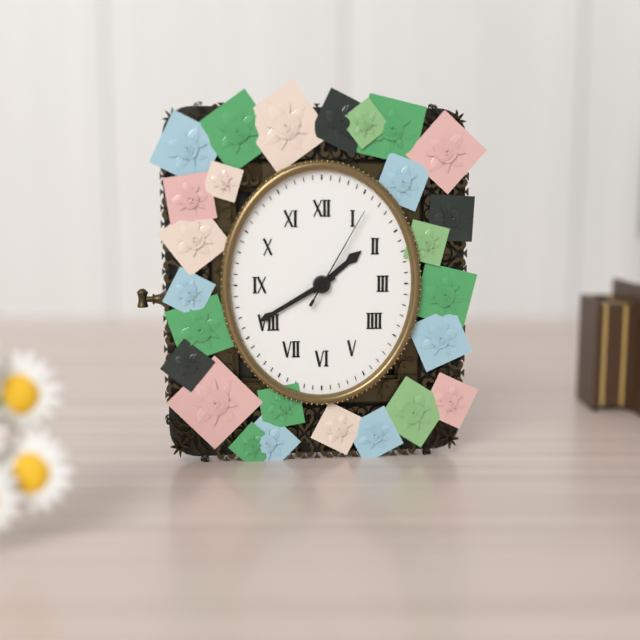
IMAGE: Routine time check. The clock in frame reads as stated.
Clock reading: 1:40:05
